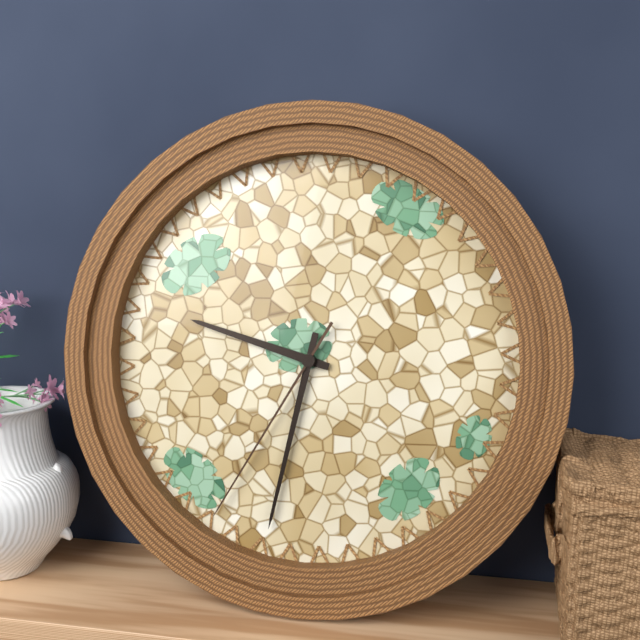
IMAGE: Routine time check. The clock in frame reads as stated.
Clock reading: 9:32:35
